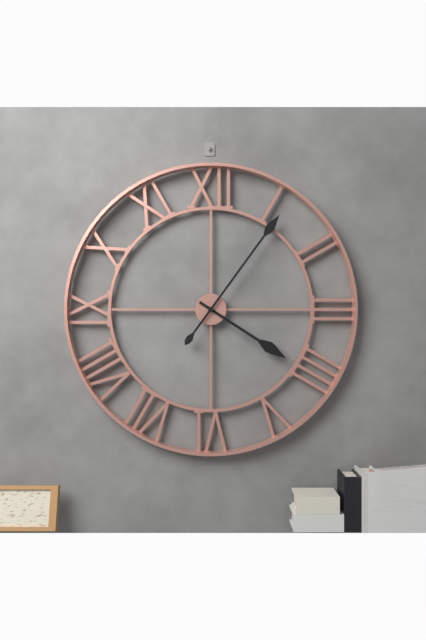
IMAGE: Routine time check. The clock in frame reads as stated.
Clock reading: 4:06
